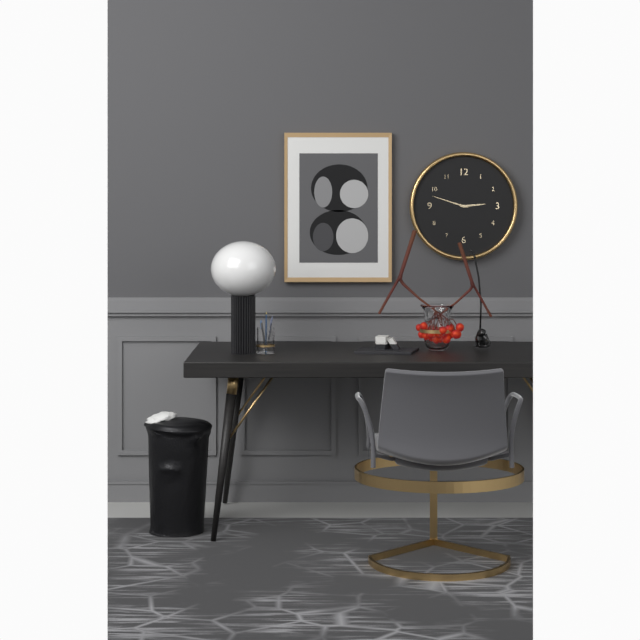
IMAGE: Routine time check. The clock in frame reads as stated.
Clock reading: 2:48
